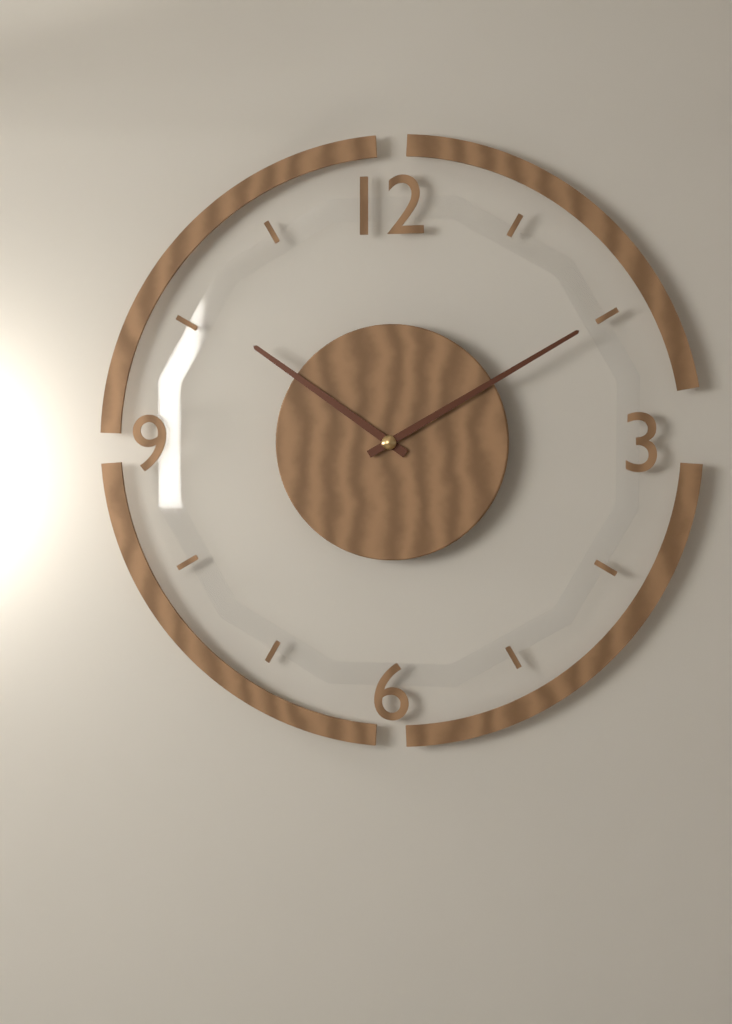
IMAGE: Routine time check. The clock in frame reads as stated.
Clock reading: 10:10
